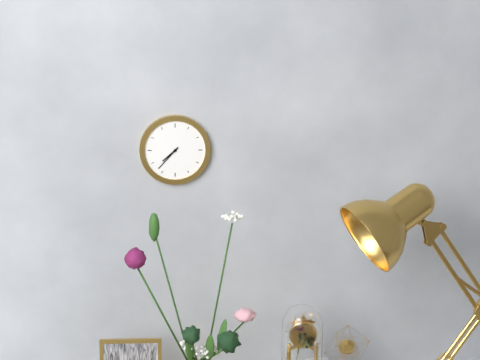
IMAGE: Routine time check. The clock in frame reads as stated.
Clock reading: 7:37
